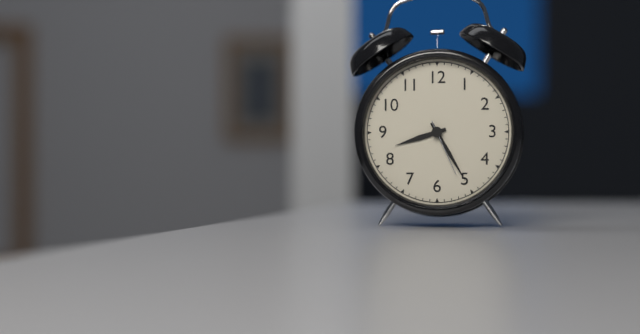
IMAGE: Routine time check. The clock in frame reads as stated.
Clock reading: 8:25:26
